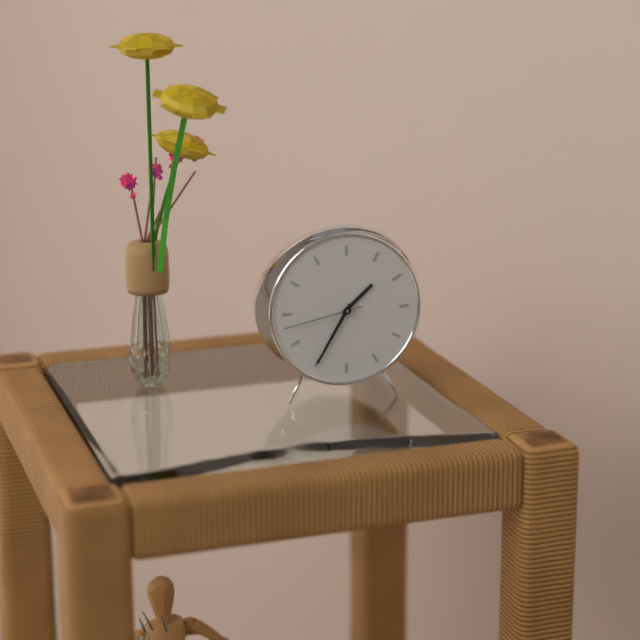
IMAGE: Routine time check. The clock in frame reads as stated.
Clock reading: 1:35:43
